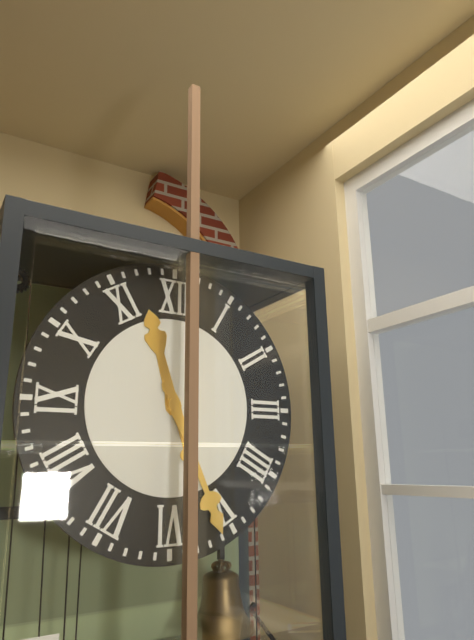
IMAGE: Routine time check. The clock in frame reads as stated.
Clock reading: 11:26
